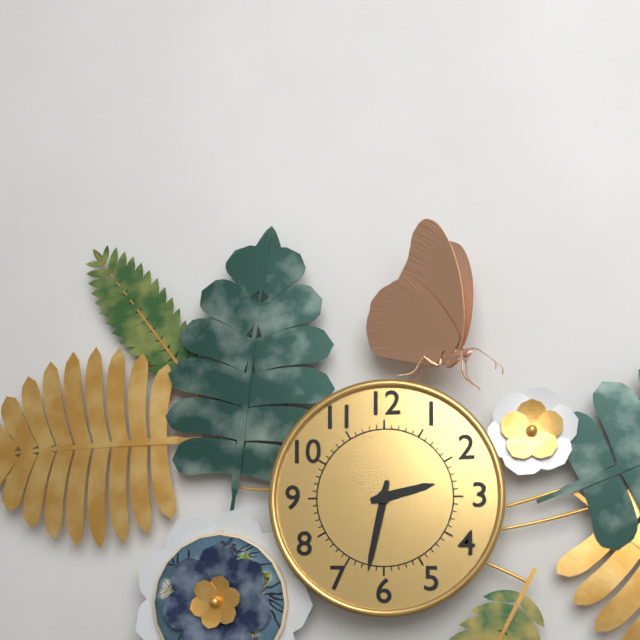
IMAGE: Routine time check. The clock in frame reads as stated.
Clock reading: 2:32
